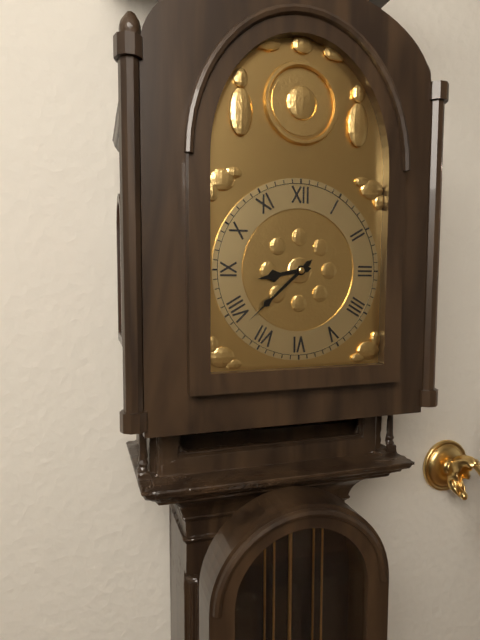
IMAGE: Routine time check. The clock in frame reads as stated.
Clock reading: 8:38
